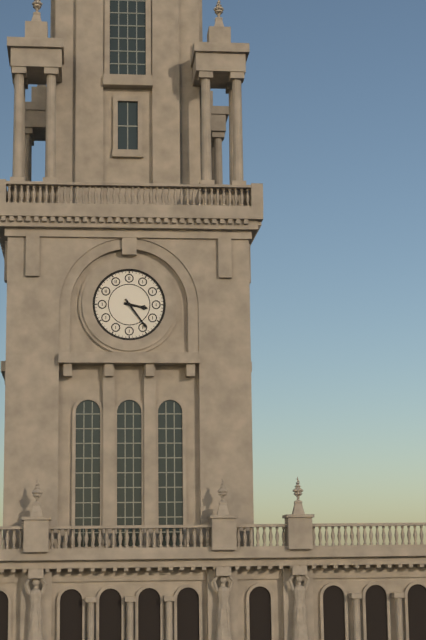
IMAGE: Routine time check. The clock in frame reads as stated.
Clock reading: 3:24
